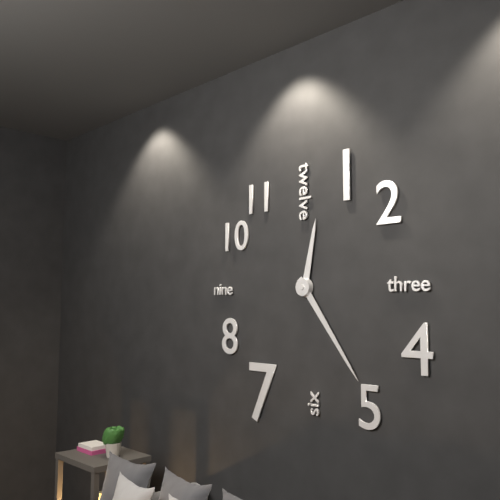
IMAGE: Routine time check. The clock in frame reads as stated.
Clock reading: 12:24
